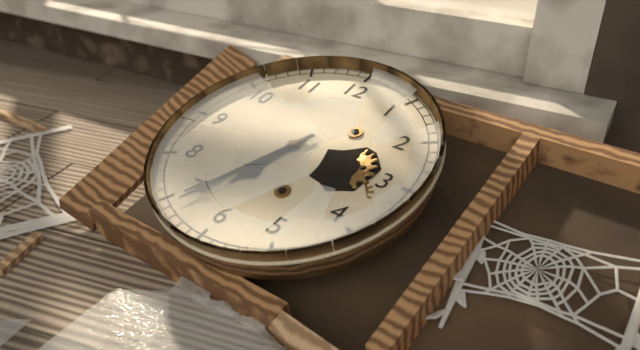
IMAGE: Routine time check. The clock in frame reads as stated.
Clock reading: 6:34
